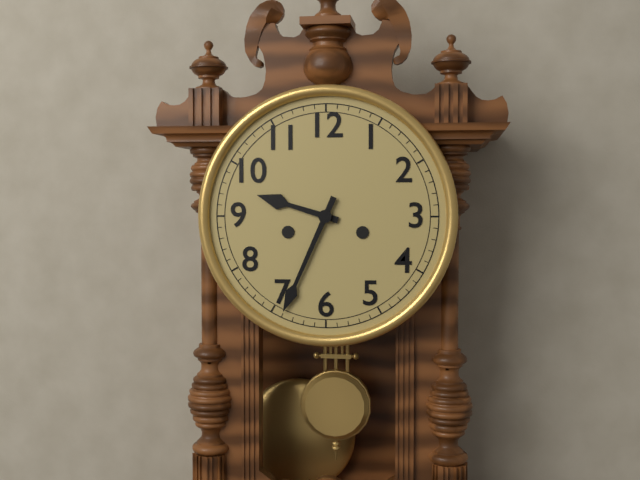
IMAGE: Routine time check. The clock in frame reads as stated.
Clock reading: 9:34
